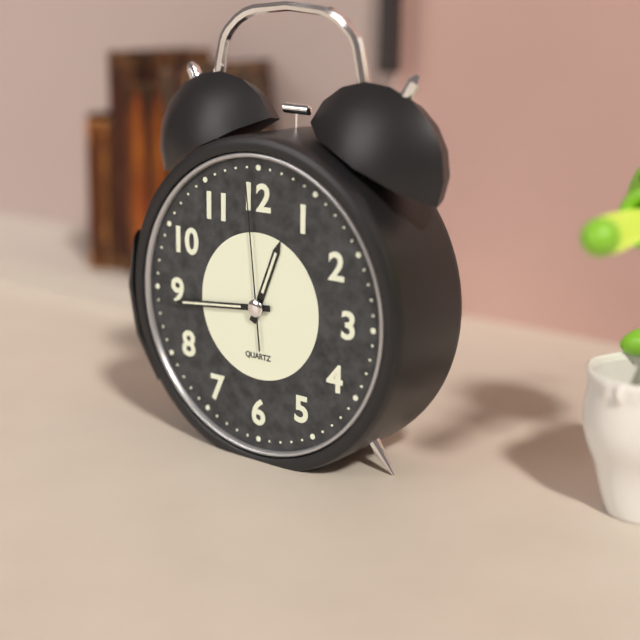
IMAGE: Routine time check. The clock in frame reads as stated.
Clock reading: 12:44:59
